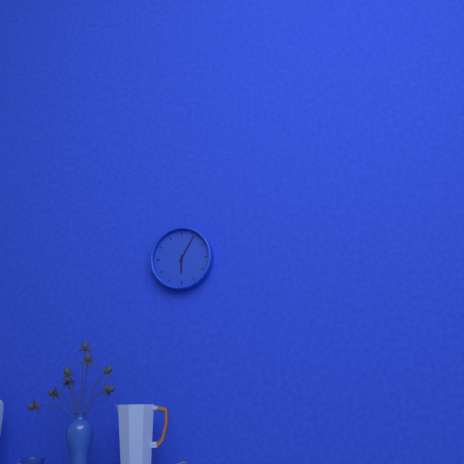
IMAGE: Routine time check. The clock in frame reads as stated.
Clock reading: 6:05
